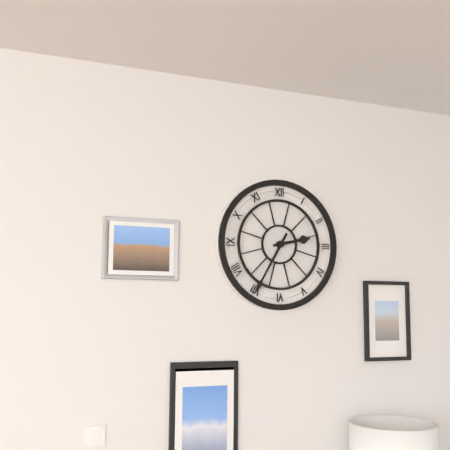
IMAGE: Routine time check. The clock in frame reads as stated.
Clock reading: 2:35
